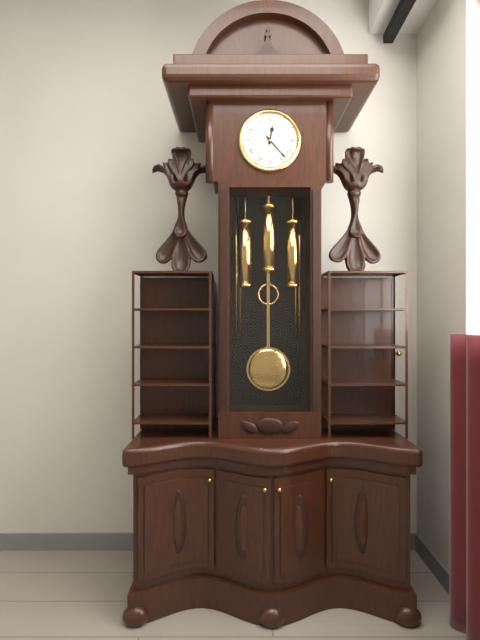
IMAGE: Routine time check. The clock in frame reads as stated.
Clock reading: 12:23
